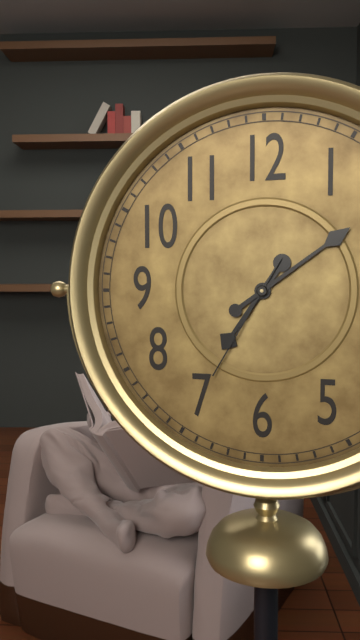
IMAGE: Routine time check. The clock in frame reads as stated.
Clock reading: 7:09:35
